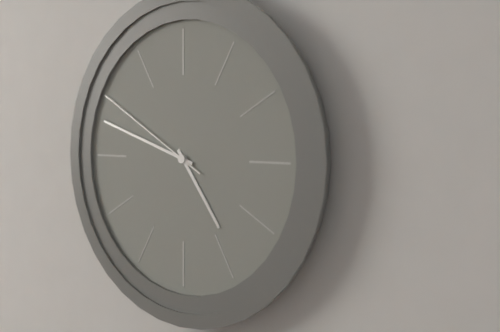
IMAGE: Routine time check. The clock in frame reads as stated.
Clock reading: 4:48:50
